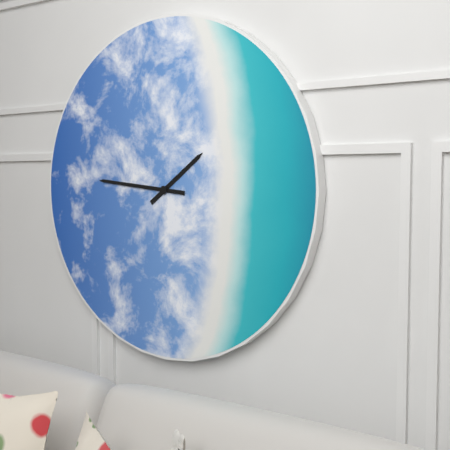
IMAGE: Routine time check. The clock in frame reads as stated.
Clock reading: 1:46
